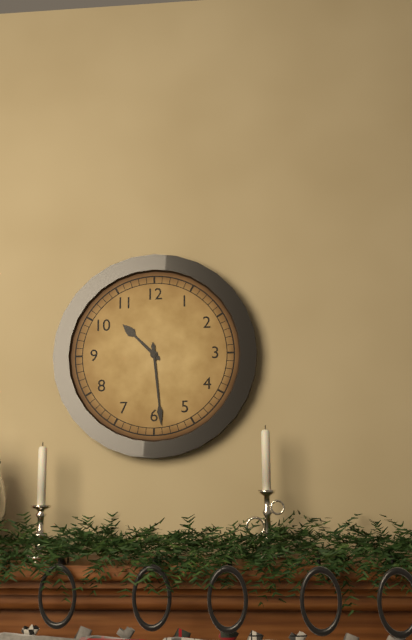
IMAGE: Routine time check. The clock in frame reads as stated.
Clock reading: 10:29
